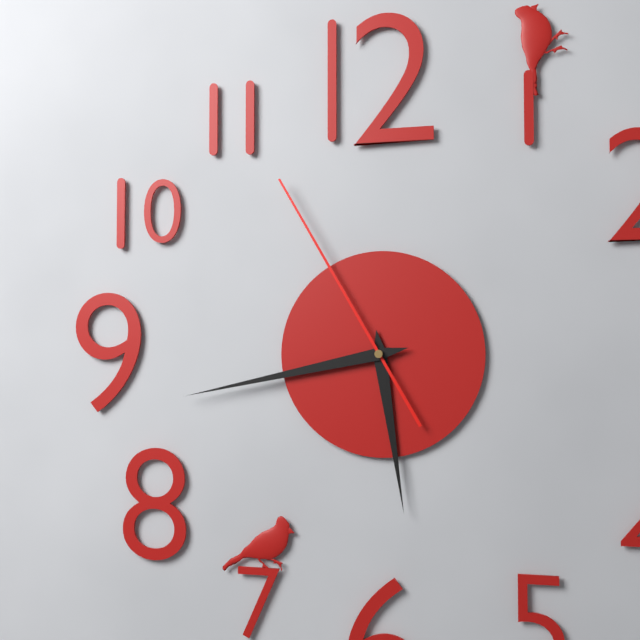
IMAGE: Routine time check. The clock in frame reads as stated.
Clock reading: 5:43:55
